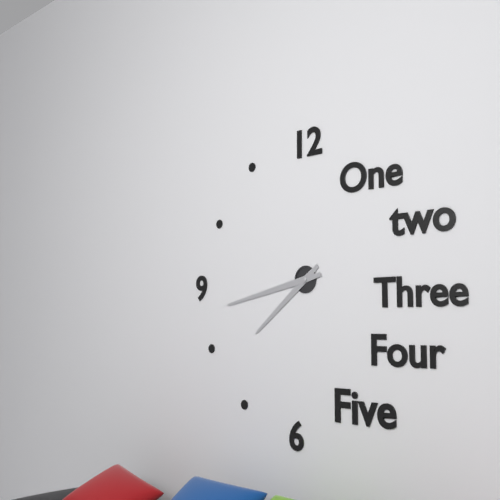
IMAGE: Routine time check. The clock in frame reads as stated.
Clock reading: 7:43
